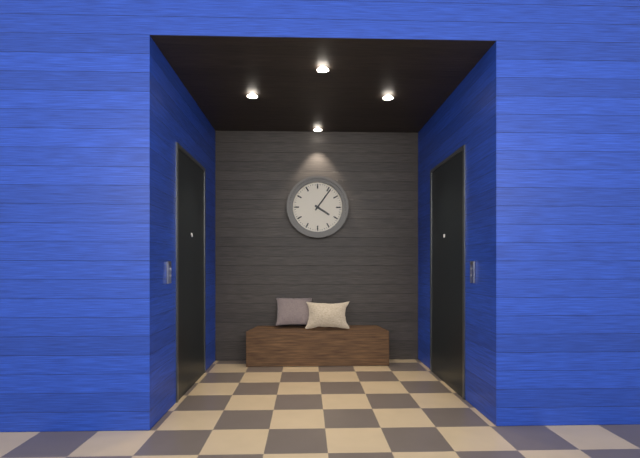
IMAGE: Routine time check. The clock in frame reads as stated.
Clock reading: 4:06
